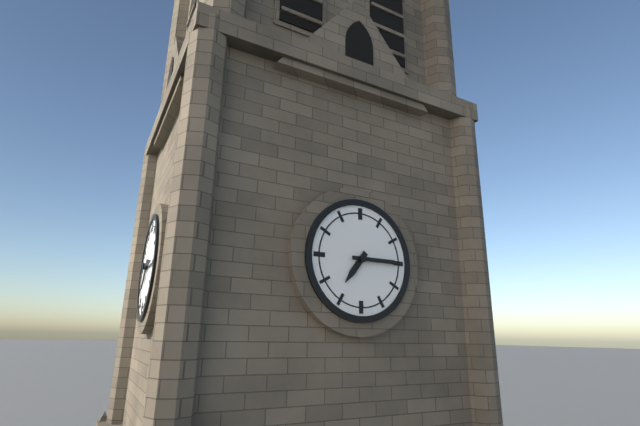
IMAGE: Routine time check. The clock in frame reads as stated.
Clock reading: 7:15
